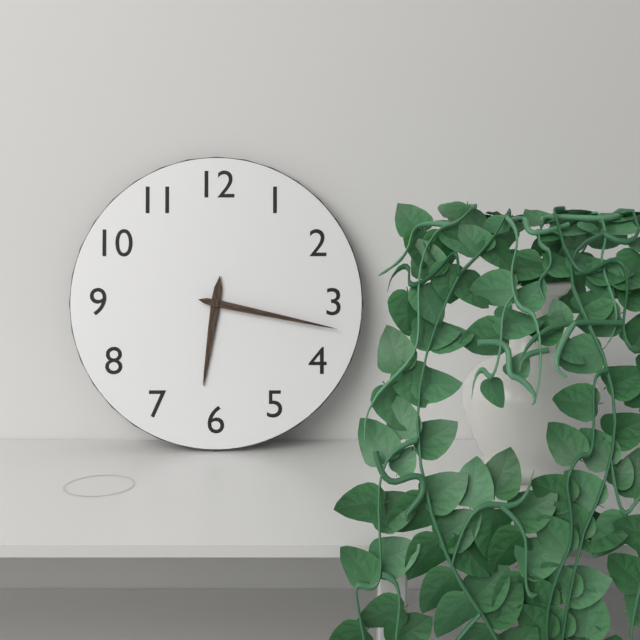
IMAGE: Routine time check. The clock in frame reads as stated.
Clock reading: 6:17
